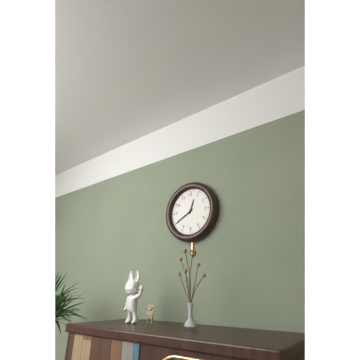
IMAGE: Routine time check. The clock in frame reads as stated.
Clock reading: 12:40
